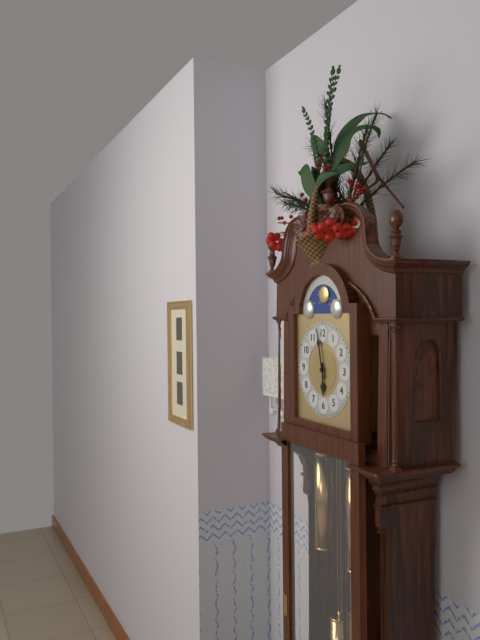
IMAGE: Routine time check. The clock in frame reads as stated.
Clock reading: 5:58
